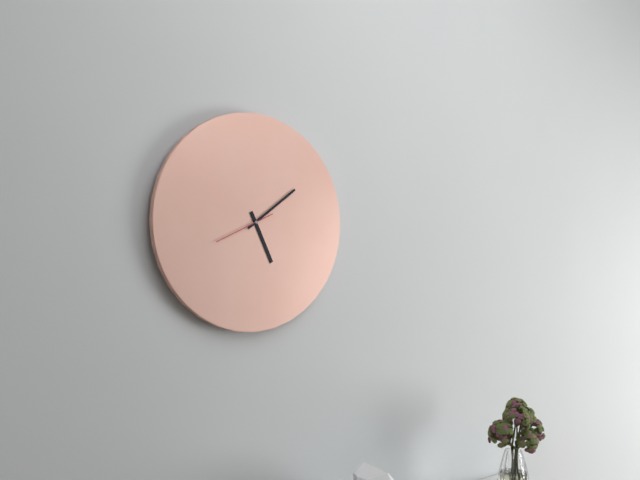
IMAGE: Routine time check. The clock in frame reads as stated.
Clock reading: 5:09:41
